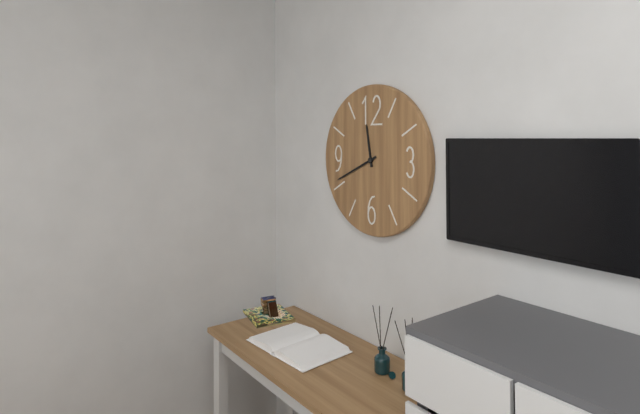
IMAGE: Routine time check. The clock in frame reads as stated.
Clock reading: 11:41
